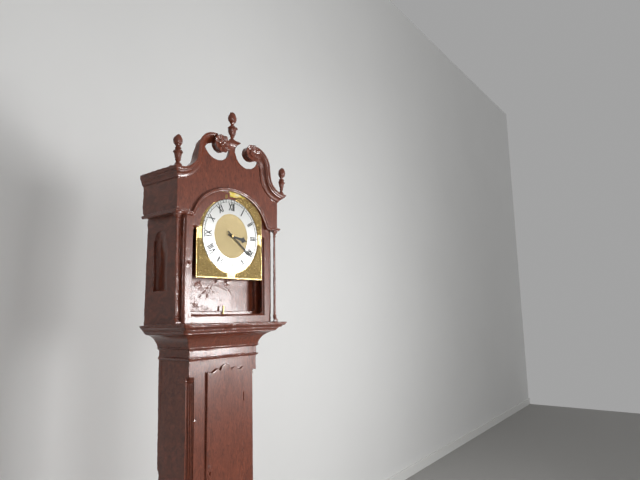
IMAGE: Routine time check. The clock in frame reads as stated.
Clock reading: 3:21
